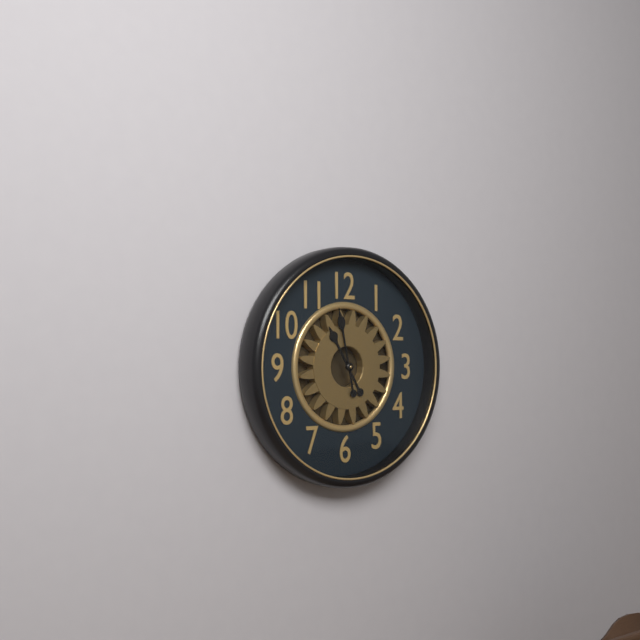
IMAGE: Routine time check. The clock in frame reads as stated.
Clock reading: 10:58
